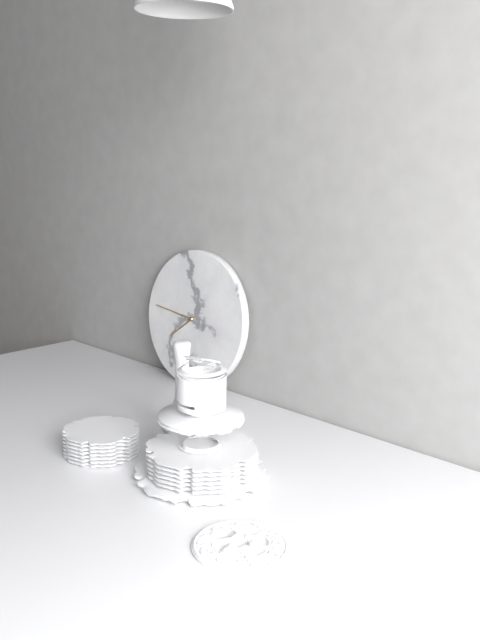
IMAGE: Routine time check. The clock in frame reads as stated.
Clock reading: 7:46
